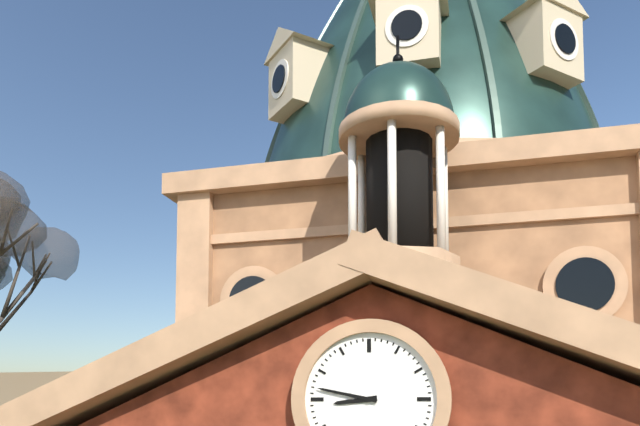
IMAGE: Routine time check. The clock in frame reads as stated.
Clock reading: 8:47
